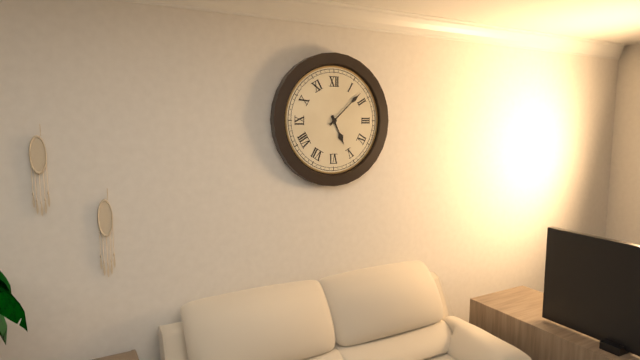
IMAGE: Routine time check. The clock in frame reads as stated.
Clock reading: 5:08
